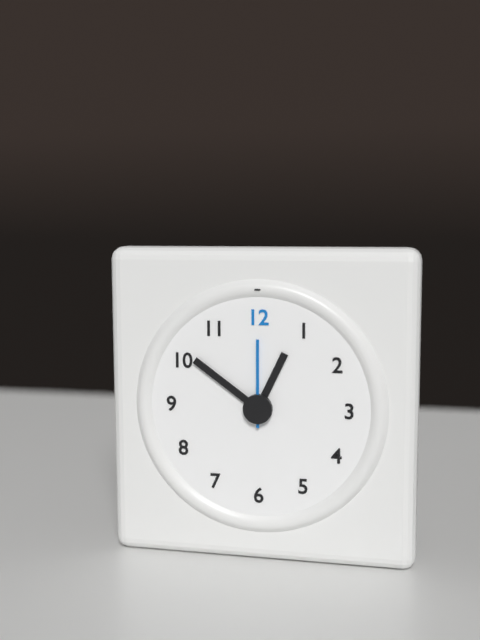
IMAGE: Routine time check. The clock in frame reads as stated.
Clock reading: 12:51:00
